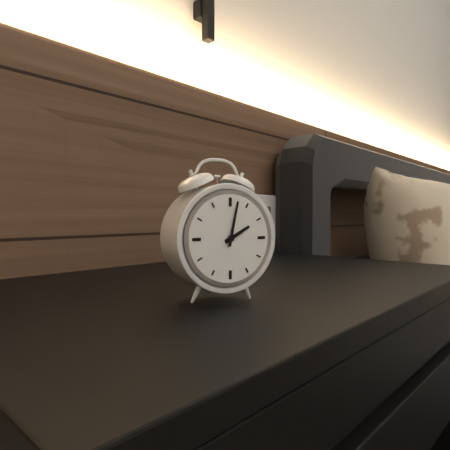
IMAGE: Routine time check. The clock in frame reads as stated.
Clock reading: 2:02
